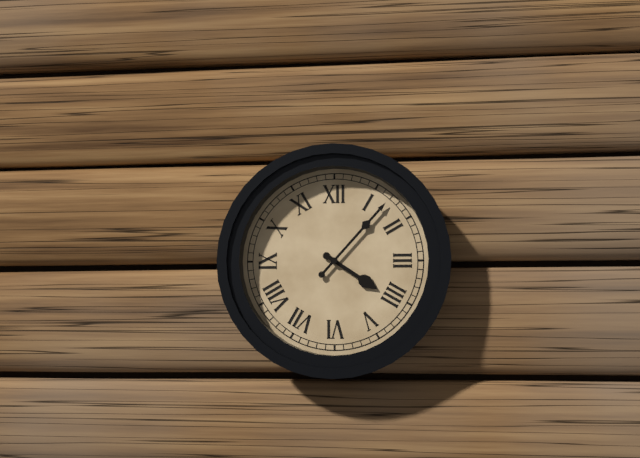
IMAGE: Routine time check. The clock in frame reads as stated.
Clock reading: 4:07
